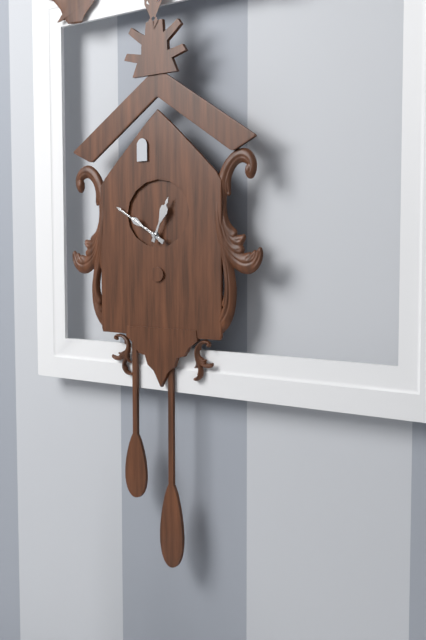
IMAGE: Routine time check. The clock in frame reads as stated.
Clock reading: 12:50:50
